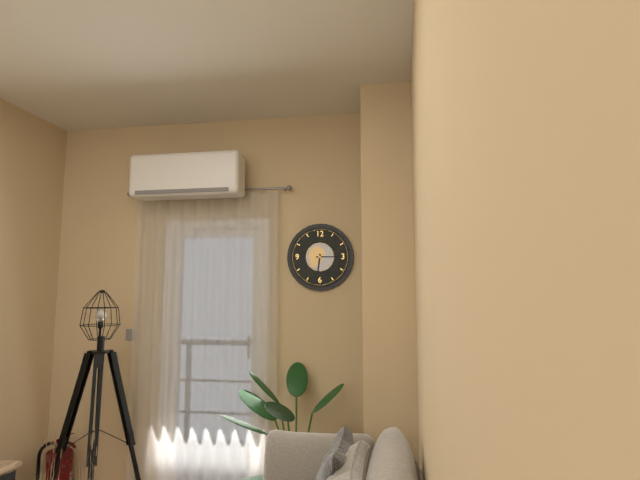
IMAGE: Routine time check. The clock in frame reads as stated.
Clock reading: 6:15
